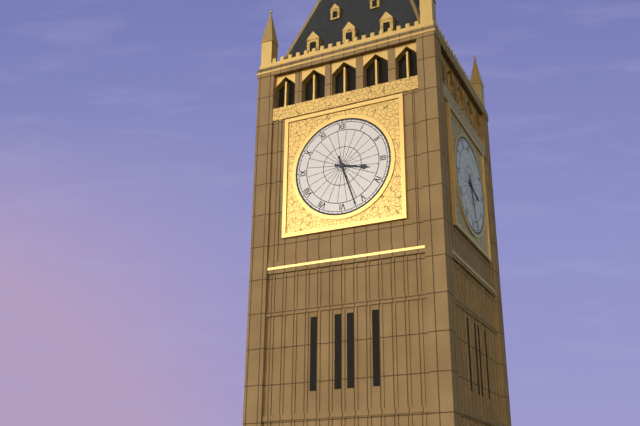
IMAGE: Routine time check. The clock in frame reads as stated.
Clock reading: 3:27
